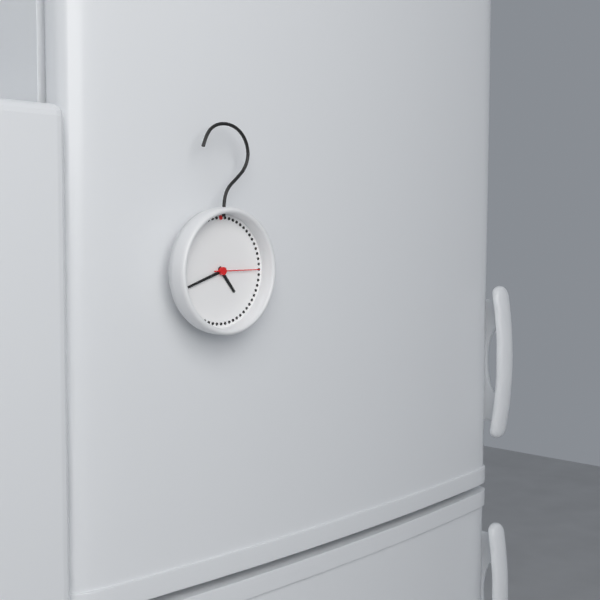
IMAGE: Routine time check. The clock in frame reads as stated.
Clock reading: 4:42
